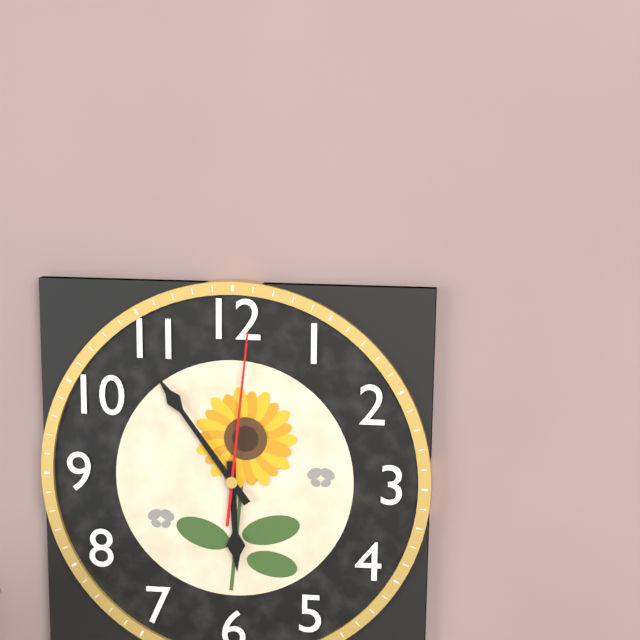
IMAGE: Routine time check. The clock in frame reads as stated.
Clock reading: 5:54:01
